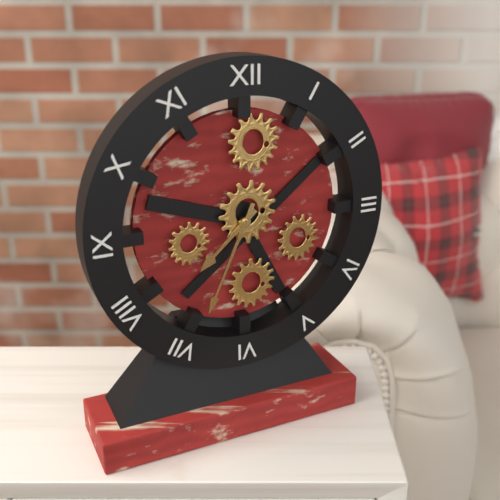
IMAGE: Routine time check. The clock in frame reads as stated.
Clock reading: 7:34
